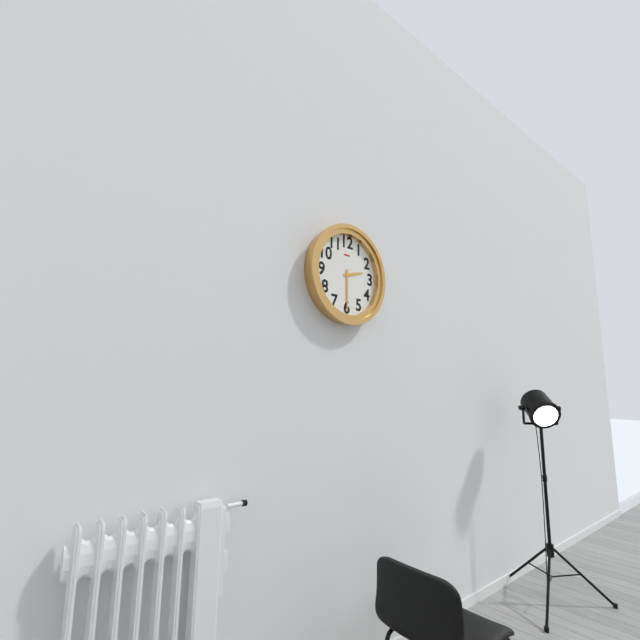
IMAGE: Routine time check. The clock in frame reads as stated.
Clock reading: 2:30
